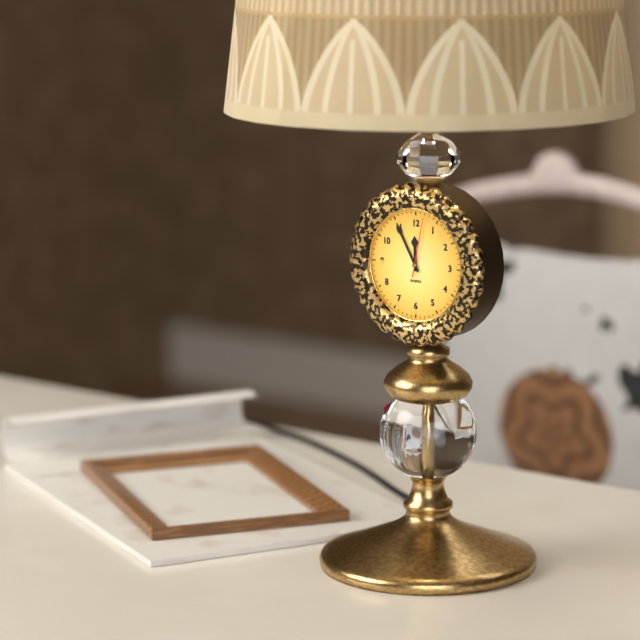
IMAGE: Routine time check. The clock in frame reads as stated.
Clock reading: 11:55:02
